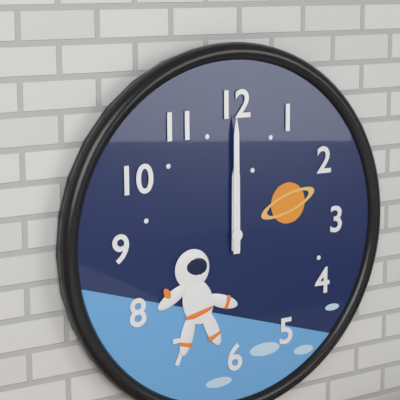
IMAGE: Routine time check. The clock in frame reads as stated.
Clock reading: 12:00
